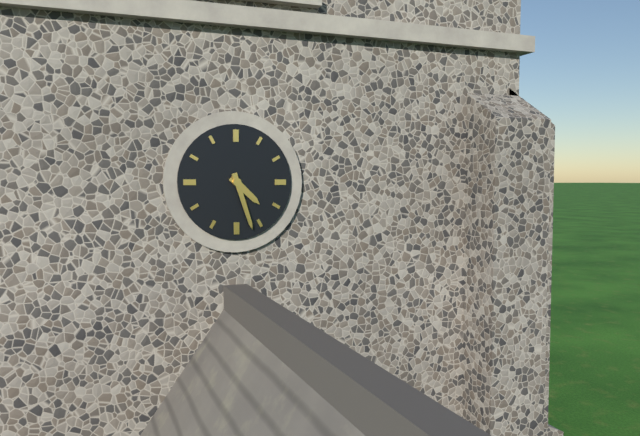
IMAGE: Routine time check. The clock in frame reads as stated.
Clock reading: 4:27
